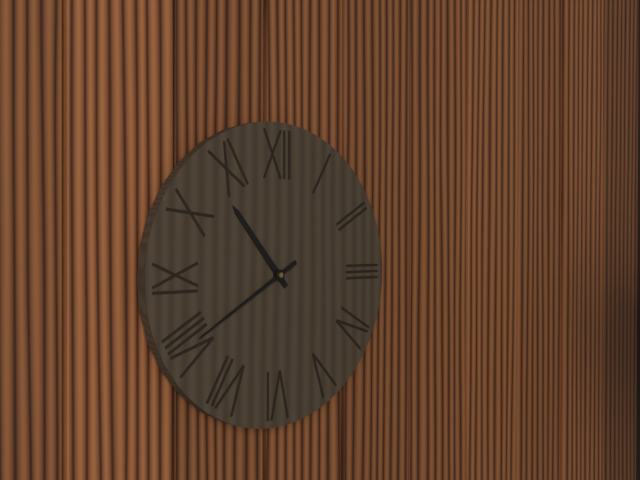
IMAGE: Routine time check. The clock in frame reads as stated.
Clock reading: 10:40
